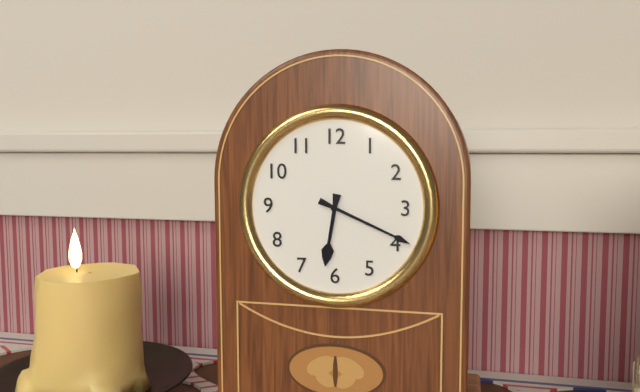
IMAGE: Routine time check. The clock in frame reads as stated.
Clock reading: 6:19
